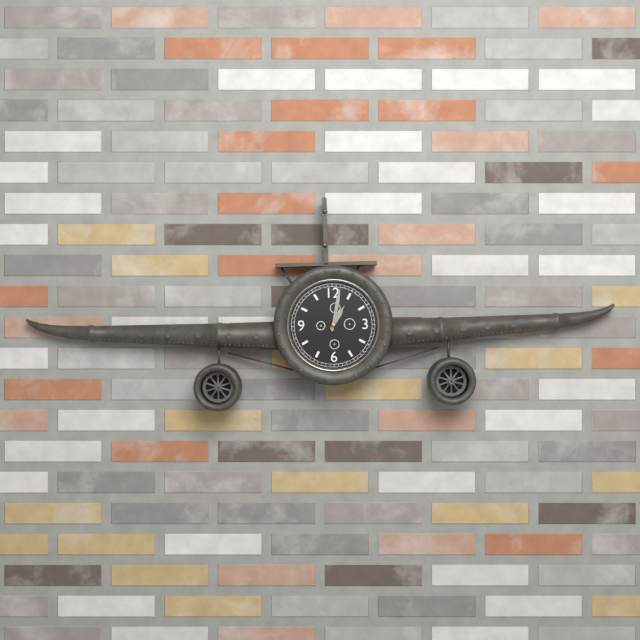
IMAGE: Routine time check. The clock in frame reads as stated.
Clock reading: 1:02
